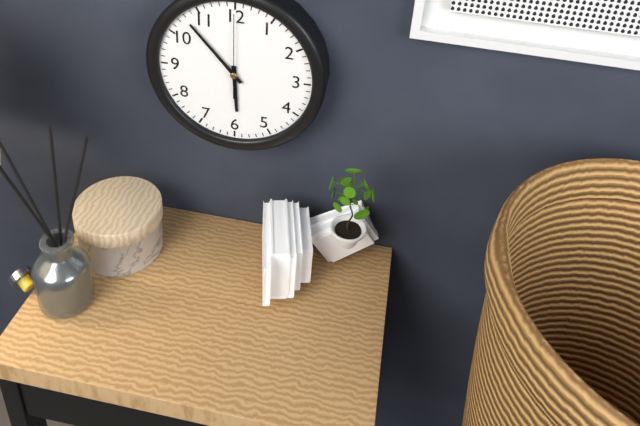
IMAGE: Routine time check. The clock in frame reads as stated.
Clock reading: 5:53:00
